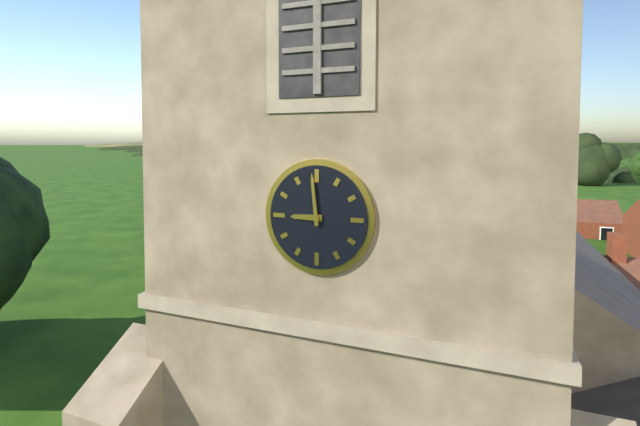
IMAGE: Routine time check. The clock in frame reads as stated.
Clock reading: 8:59
